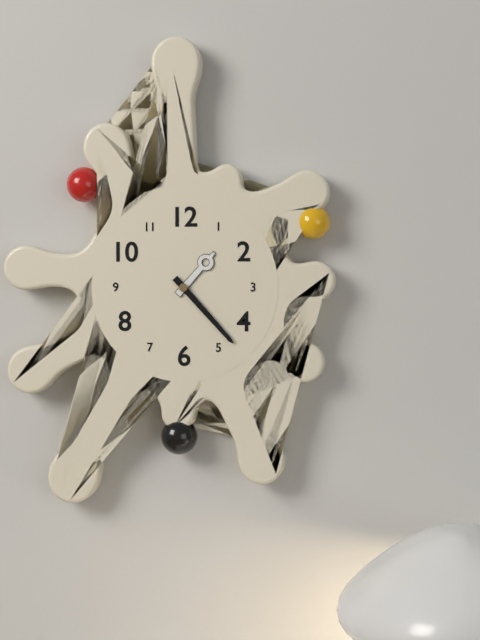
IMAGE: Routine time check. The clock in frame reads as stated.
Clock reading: 1:23
